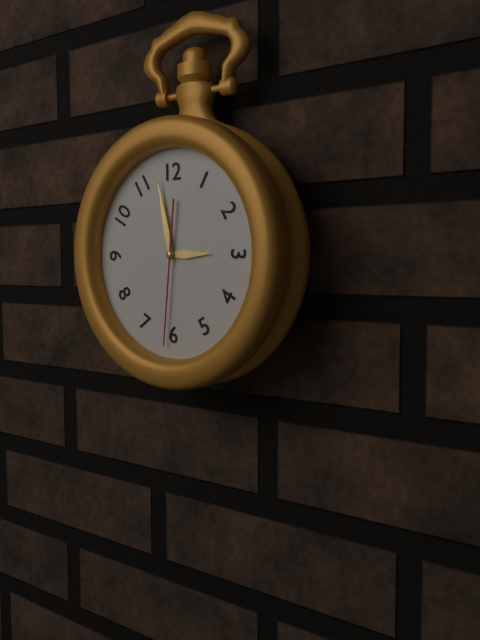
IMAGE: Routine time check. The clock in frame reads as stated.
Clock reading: 2:58:31
